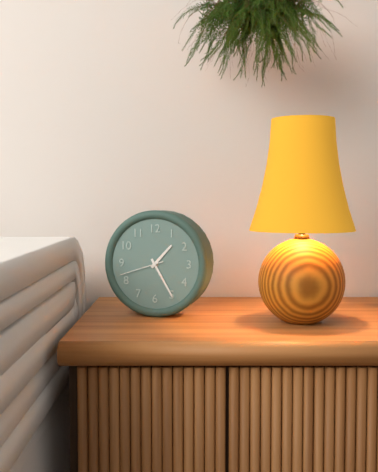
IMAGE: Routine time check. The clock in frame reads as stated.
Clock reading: 1:25
